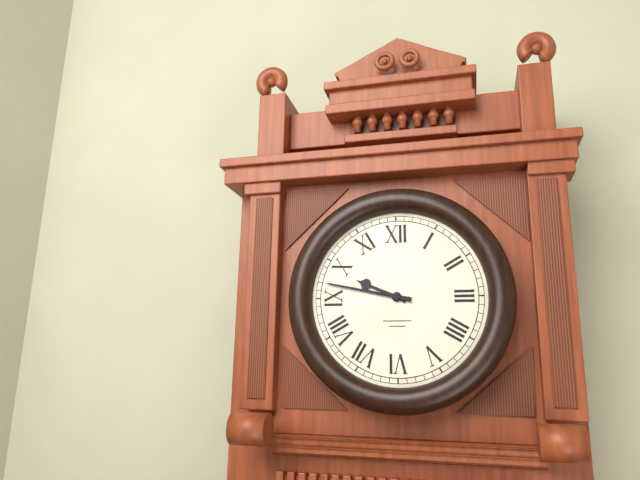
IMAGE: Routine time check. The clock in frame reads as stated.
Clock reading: 9:47
